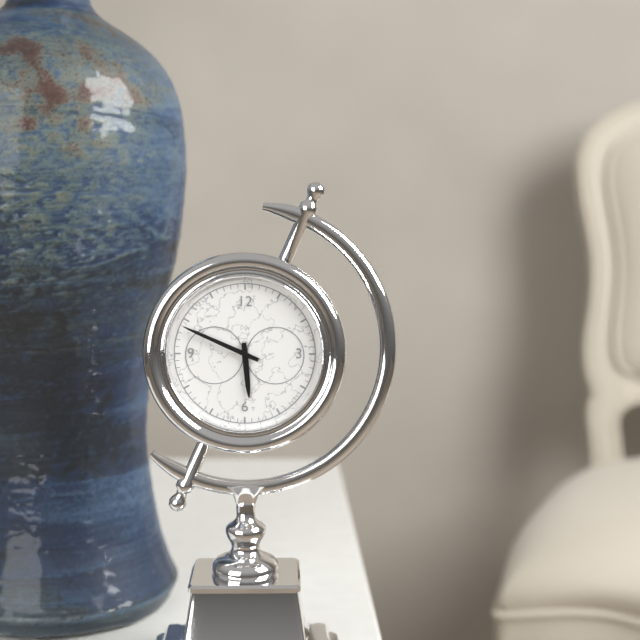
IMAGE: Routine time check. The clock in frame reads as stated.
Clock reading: 5:49
